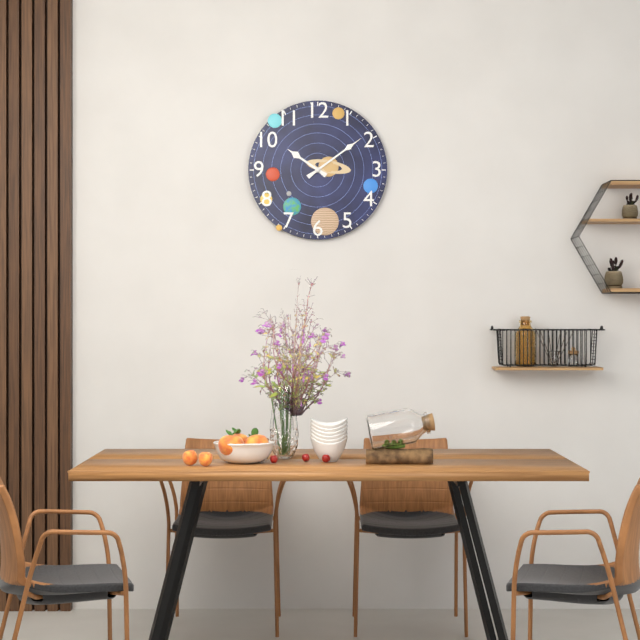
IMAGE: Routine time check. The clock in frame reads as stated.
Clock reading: 10:09
